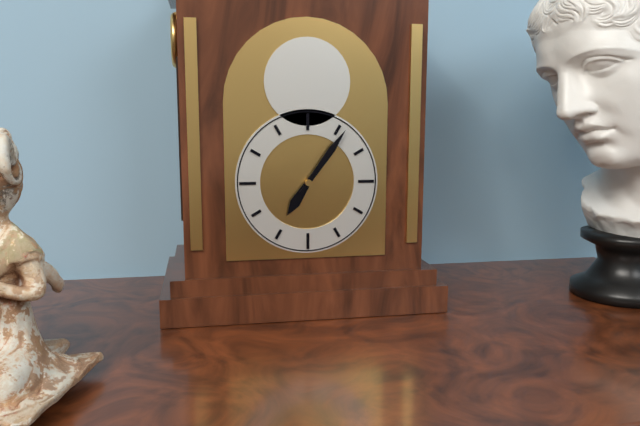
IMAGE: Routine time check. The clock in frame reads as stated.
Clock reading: 7:06
